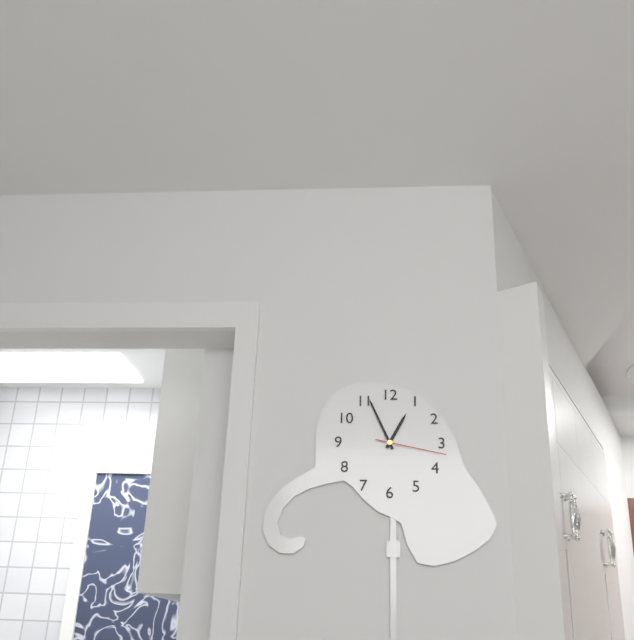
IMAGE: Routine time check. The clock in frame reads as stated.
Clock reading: 12:56:17
